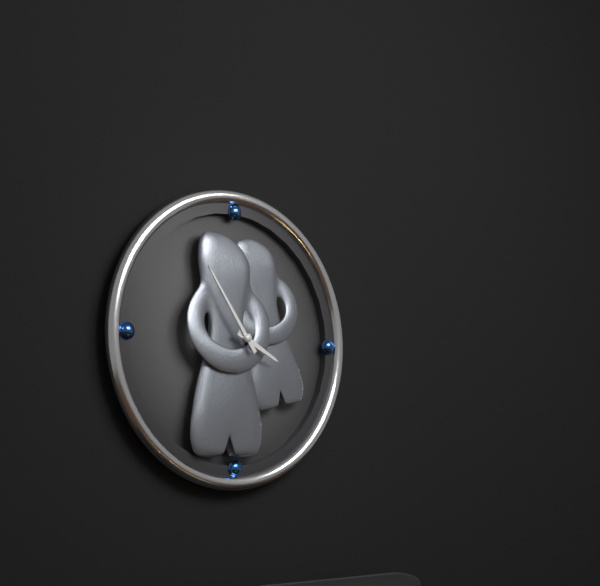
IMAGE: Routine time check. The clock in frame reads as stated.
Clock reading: 3:54
